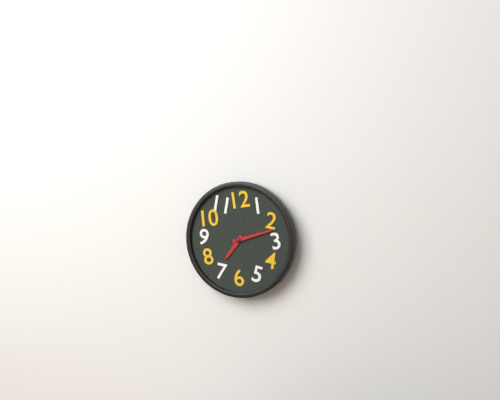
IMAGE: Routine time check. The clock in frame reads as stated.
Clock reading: 7:12
